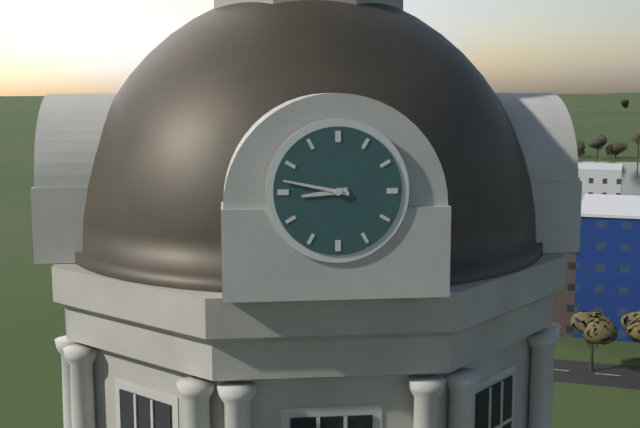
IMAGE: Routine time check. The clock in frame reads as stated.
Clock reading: 8:47
